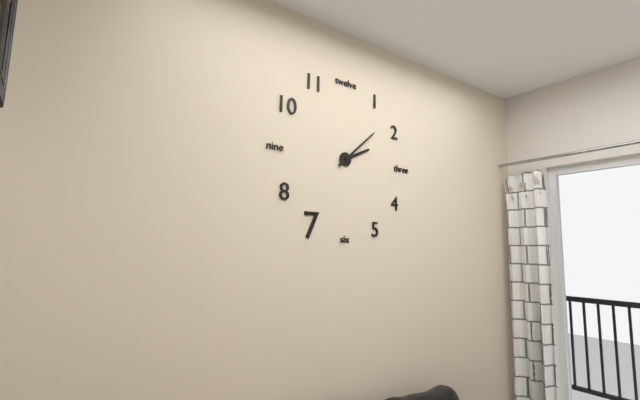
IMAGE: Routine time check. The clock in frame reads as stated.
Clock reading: 2:08
